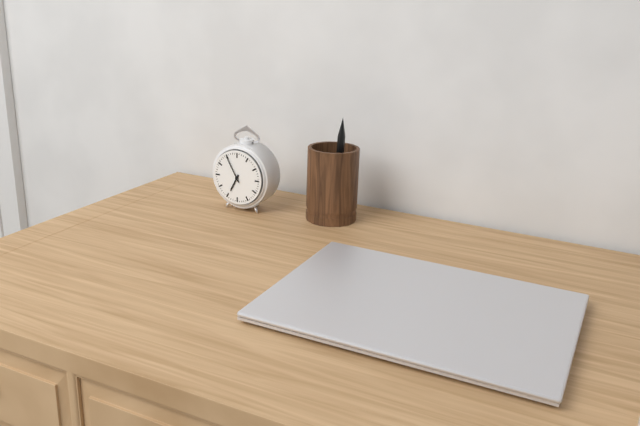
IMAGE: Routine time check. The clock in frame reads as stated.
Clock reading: 6:55
